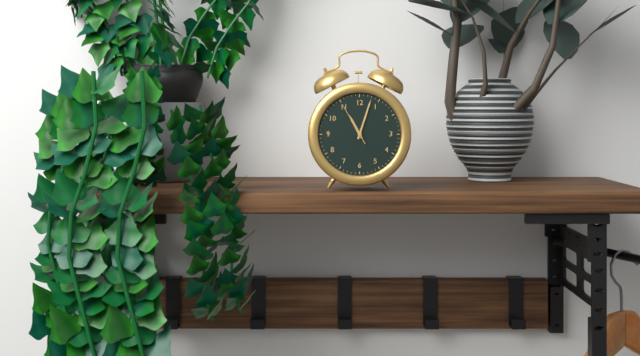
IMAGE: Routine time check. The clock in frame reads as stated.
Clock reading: 11:03
